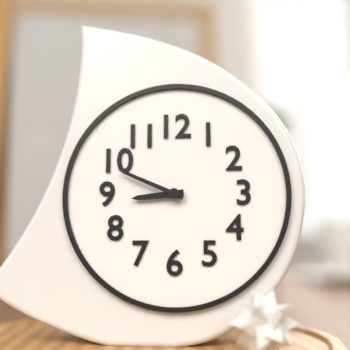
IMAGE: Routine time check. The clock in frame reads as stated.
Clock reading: 8:49
